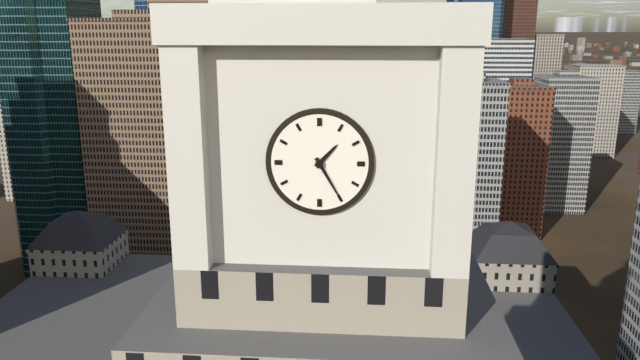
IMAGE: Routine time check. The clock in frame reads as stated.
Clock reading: 1:25
